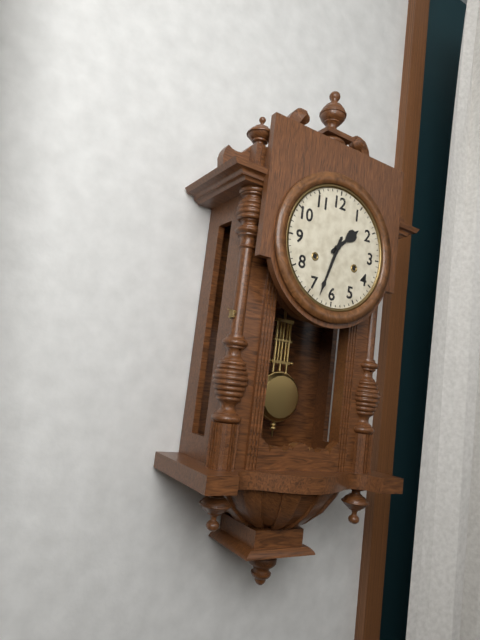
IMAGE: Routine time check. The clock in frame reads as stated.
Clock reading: 1:33
